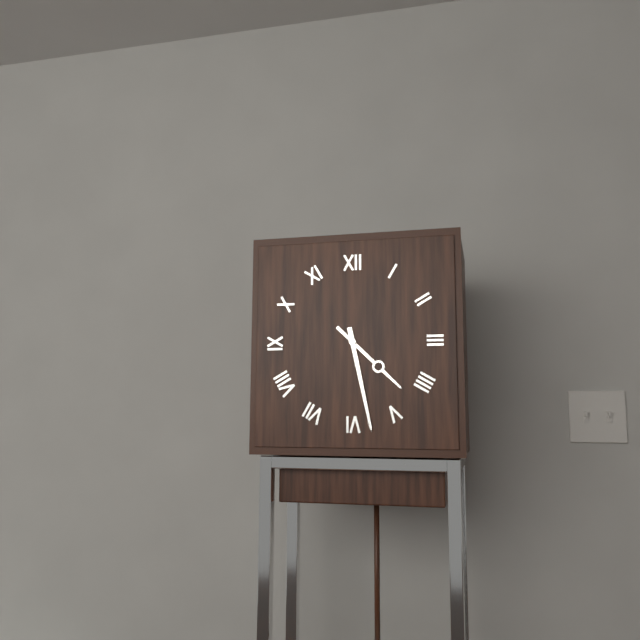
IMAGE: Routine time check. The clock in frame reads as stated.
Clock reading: 4:28
